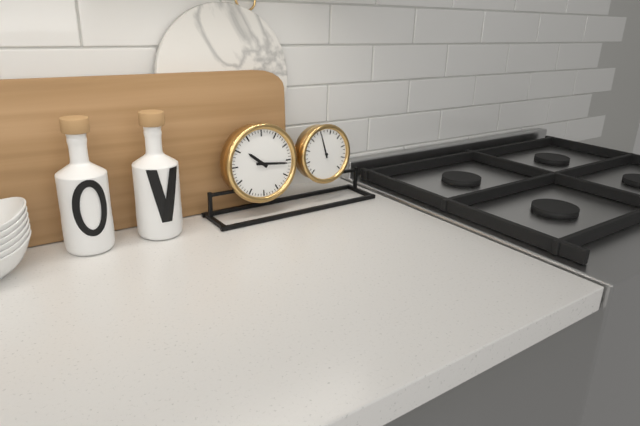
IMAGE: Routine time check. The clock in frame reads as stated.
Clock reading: 10:16
